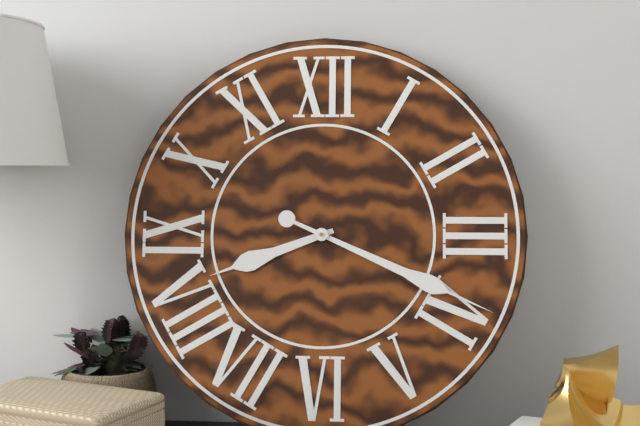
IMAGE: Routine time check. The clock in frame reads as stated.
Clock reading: 8:19
